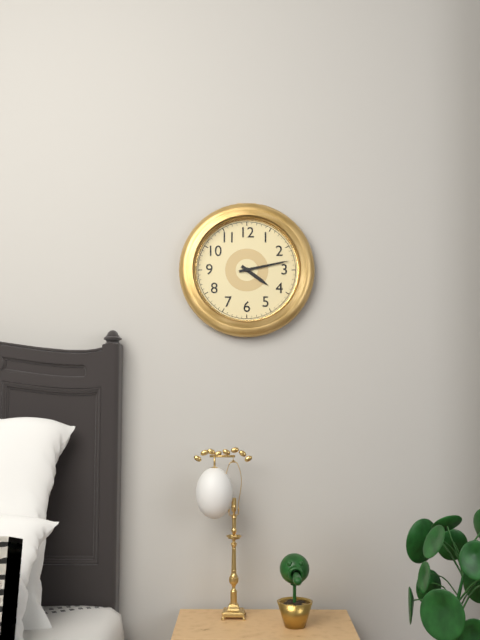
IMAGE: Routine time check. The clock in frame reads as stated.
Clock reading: 4:13
